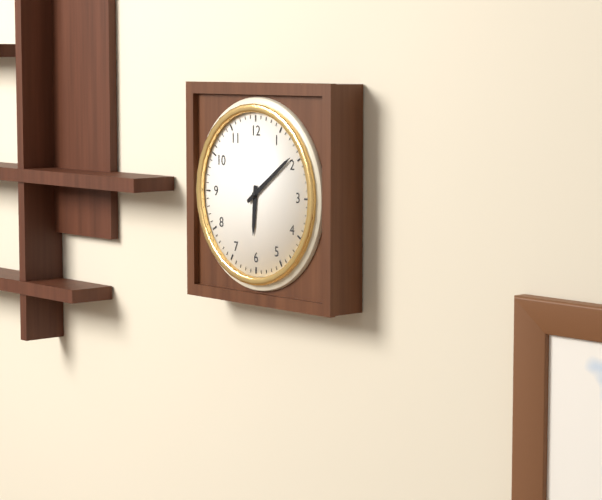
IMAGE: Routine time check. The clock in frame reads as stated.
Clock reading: 6:09
